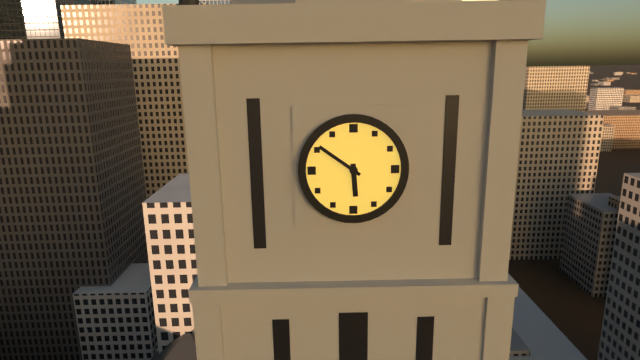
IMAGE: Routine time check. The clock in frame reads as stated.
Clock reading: 5:51
